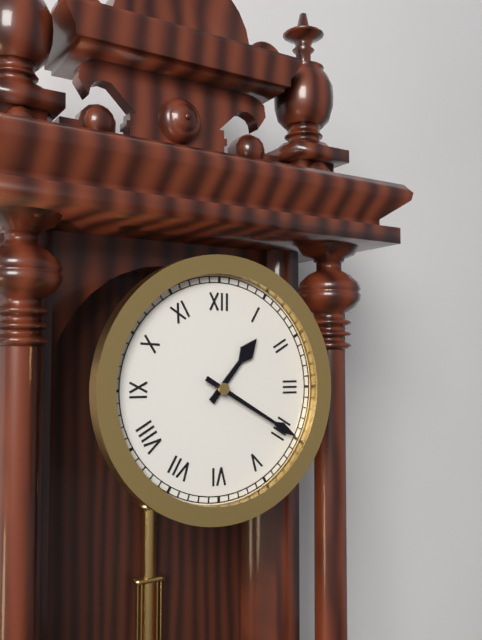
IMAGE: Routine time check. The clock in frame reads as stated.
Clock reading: 1:20
